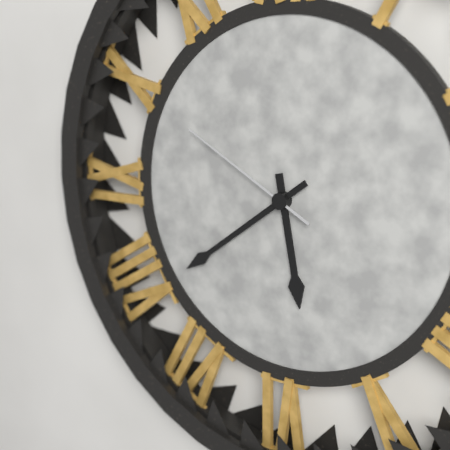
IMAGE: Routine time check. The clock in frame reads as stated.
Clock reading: 5:39:50
